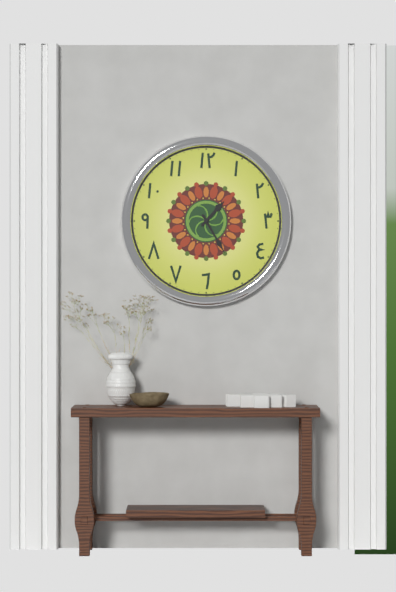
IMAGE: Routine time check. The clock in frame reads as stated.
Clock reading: 1:25
